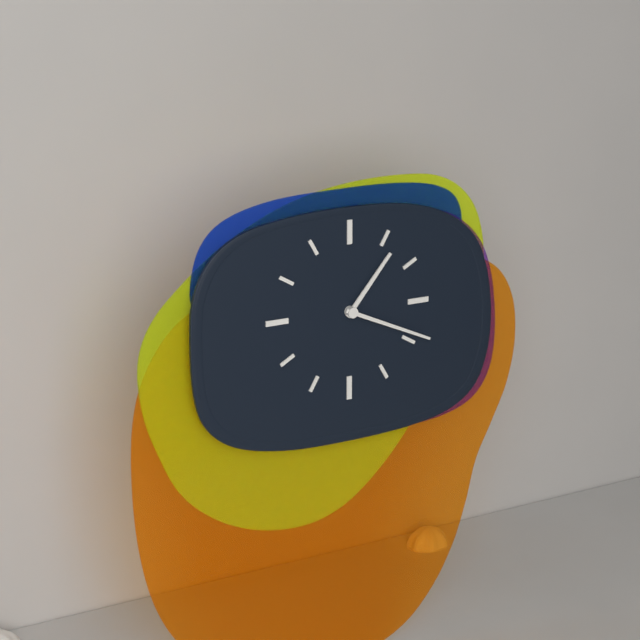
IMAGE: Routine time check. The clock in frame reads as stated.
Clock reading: 1:19
